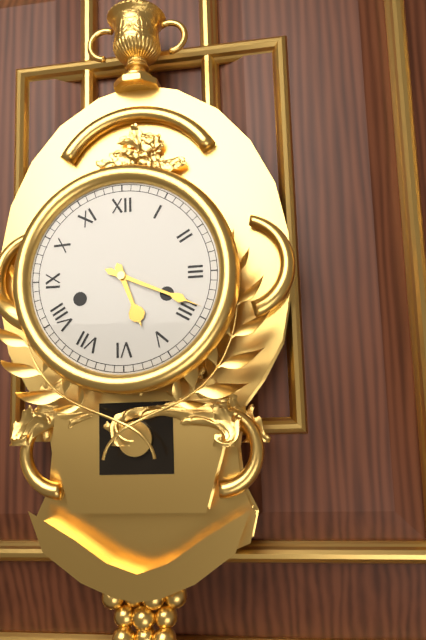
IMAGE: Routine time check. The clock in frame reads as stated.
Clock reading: 5:19
